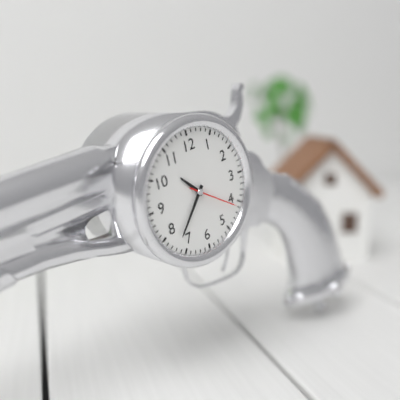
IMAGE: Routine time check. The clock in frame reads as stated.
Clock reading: 10:37:21
